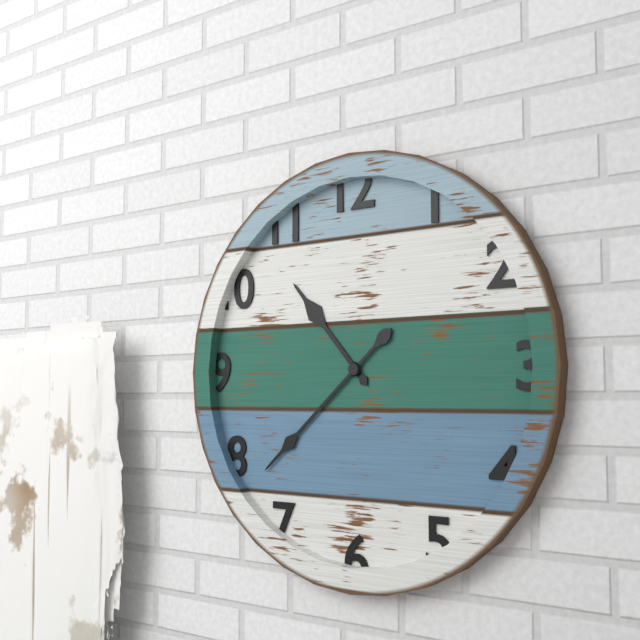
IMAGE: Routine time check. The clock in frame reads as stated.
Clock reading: 10:38
